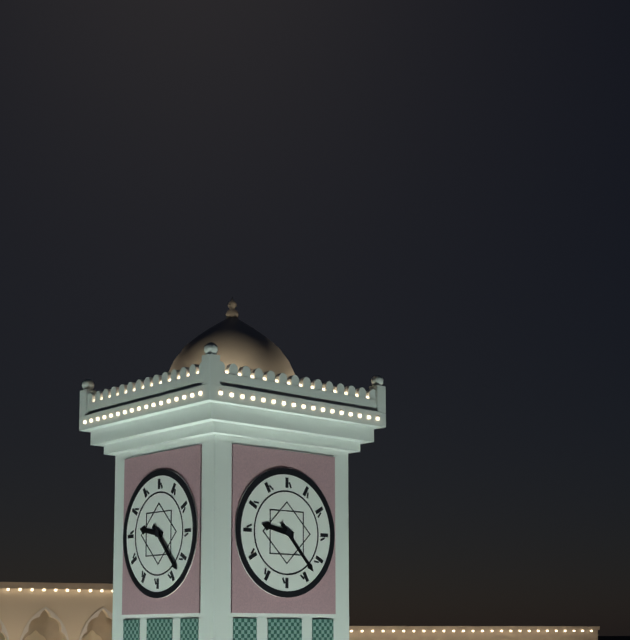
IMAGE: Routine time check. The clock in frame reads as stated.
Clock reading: 9:23
